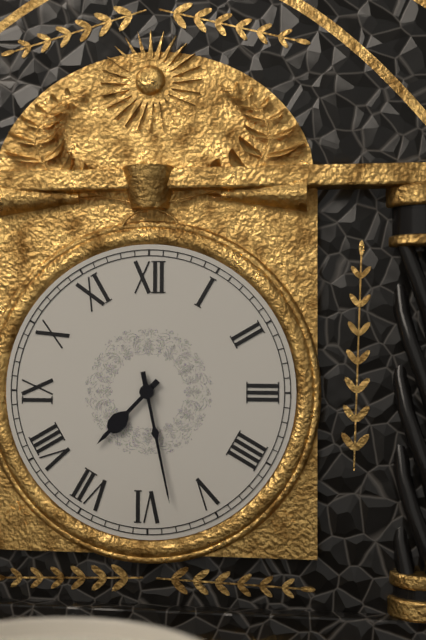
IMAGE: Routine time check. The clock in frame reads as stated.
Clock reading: 7:28
